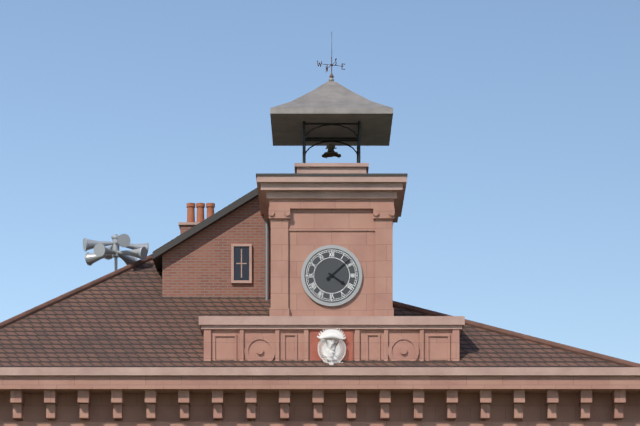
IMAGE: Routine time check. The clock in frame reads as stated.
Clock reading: 4:08
